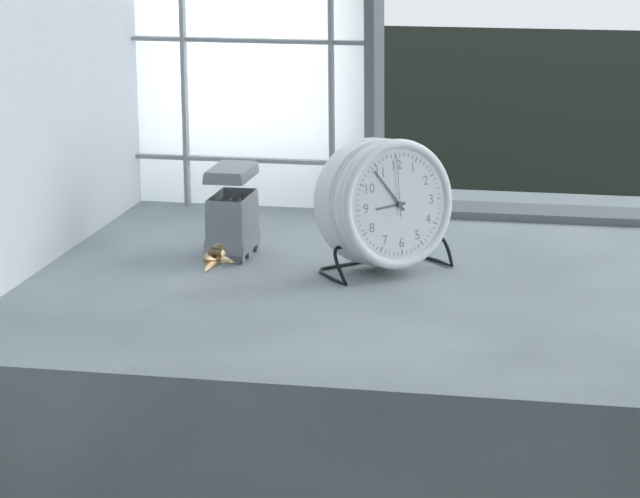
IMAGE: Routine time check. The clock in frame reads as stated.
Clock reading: 8:54:00
